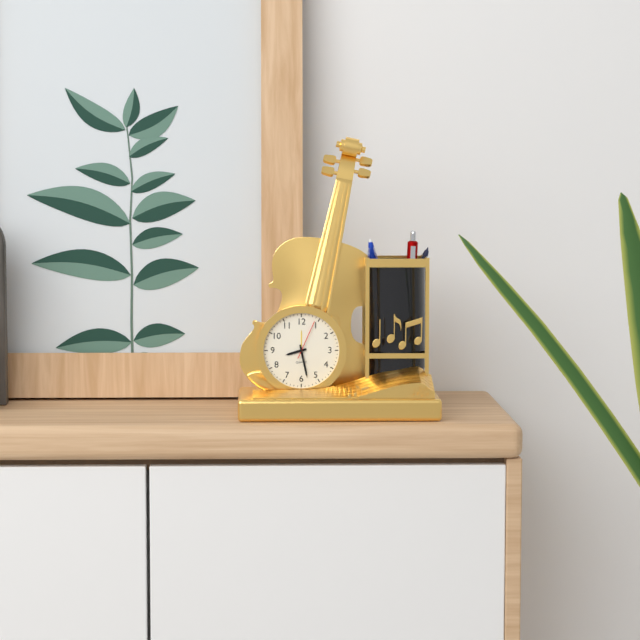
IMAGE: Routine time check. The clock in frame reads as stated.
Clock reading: 8:28
